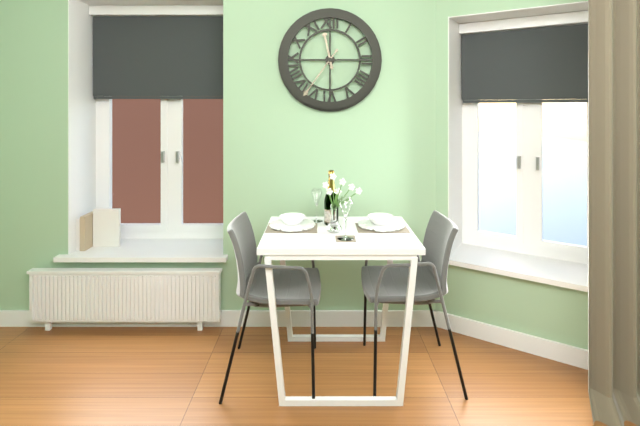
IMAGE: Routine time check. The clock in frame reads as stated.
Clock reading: 11:36
